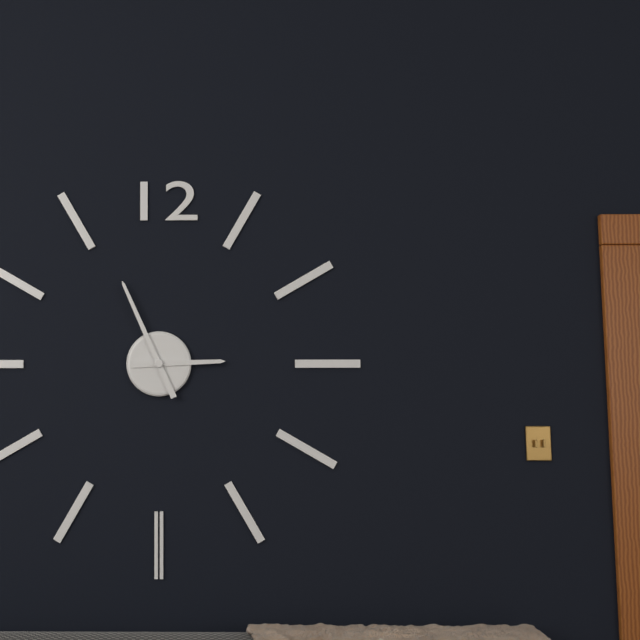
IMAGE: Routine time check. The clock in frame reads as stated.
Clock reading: 2:56
